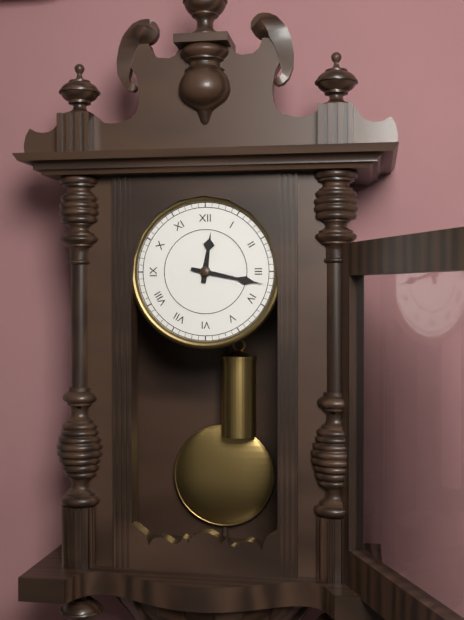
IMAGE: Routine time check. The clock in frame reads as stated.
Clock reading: 12:17
